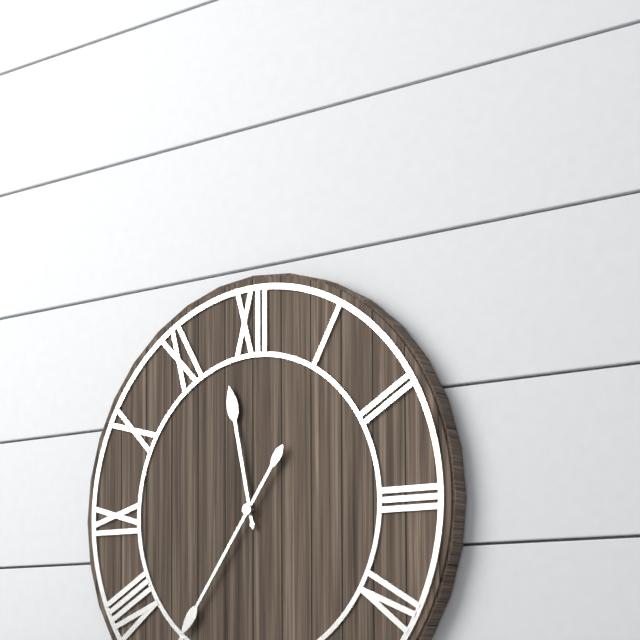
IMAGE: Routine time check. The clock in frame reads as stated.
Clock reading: 11:36
